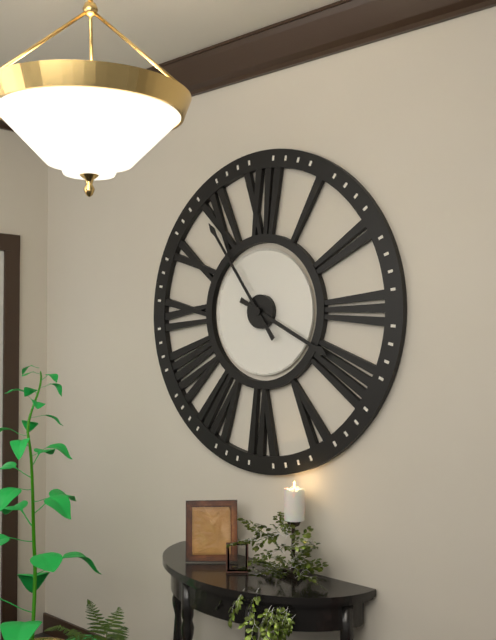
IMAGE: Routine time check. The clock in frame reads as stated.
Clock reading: 3:54
